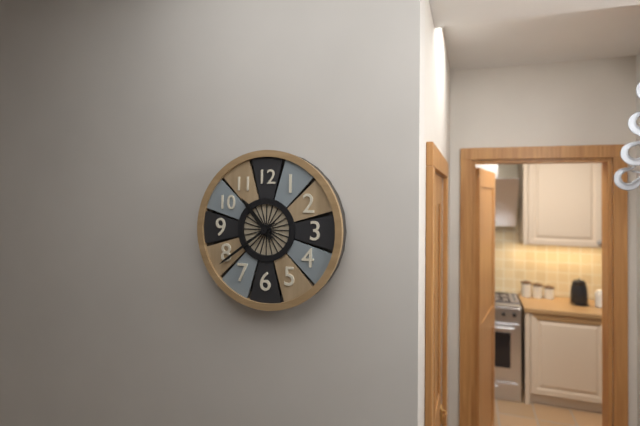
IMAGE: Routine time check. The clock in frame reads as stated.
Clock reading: 10:39
